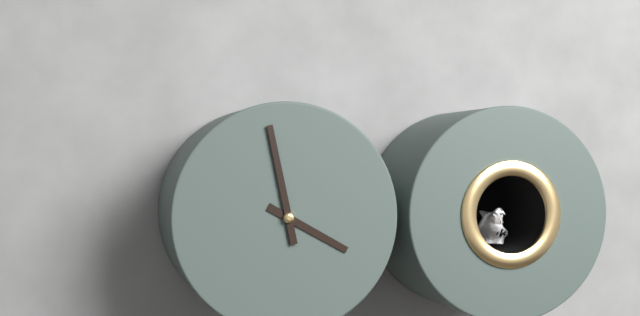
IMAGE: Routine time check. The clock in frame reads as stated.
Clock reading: 3:58
